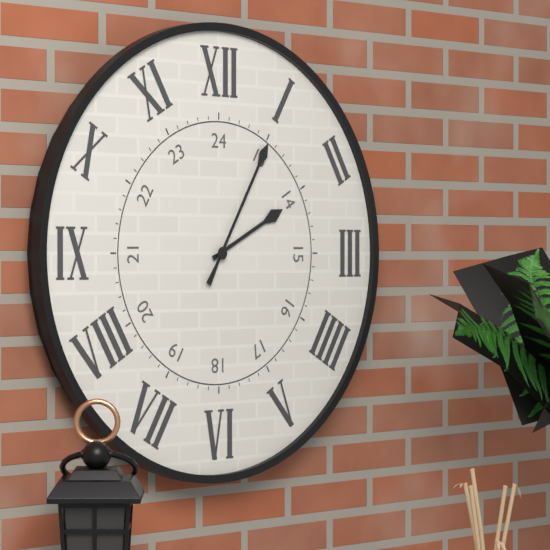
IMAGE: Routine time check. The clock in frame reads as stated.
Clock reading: 2:05
